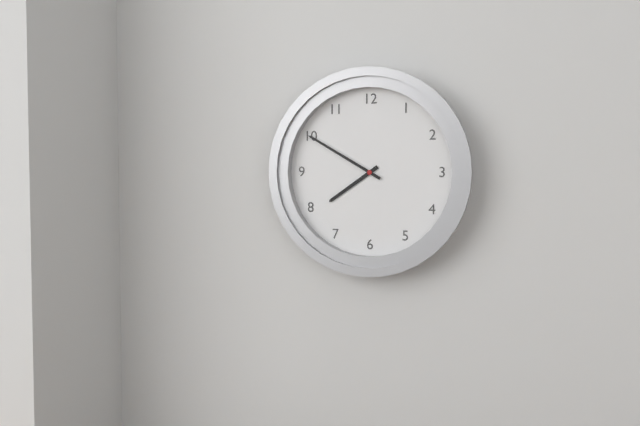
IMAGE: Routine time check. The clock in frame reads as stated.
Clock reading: 7:50
